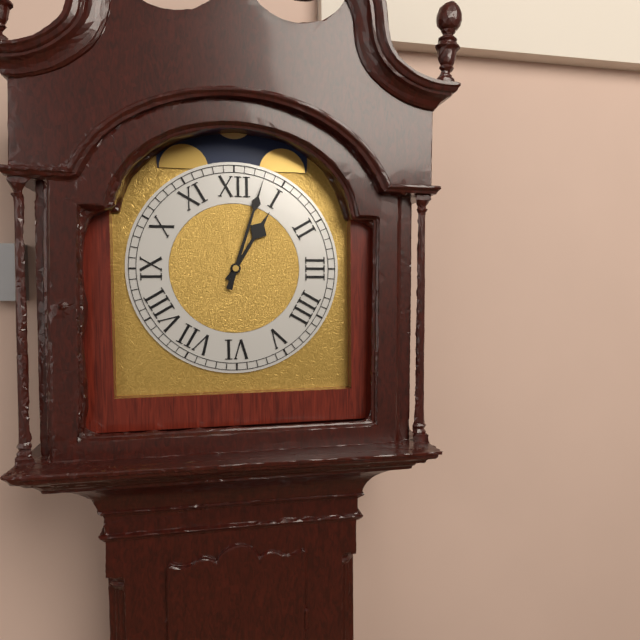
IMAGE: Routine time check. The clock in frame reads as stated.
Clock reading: 1:03
